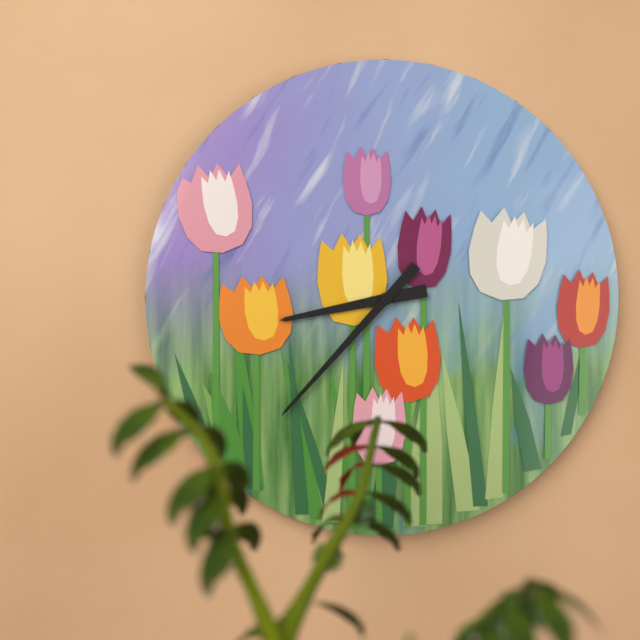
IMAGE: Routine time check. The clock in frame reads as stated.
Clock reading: 8:37
